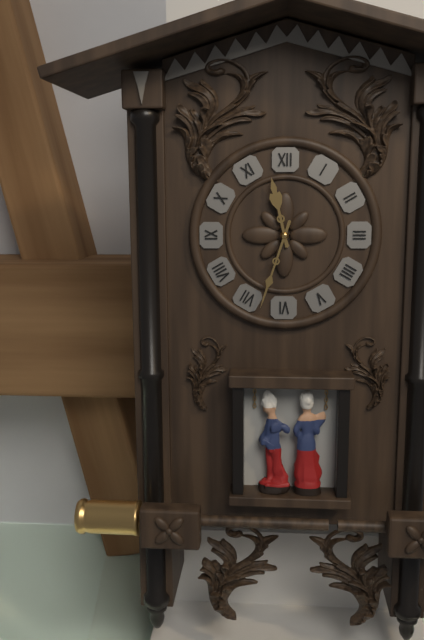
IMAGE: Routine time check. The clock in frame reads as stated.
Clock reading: 11:33
